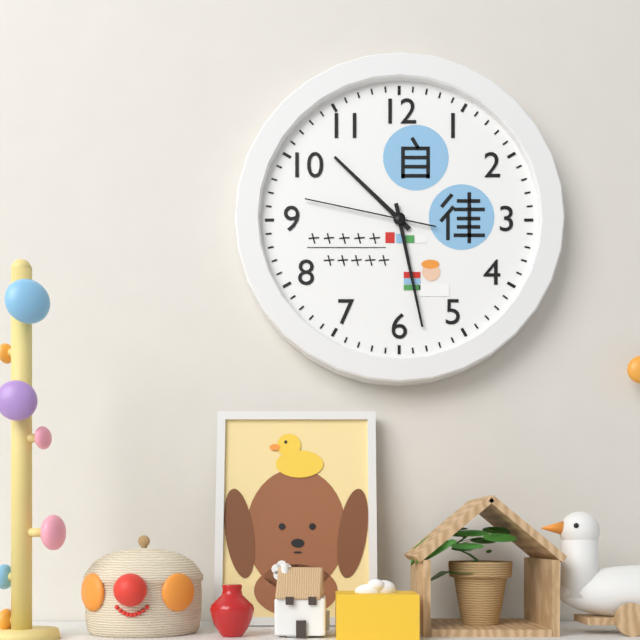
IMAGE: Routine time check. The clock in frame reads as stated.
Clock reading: 10:28:47
